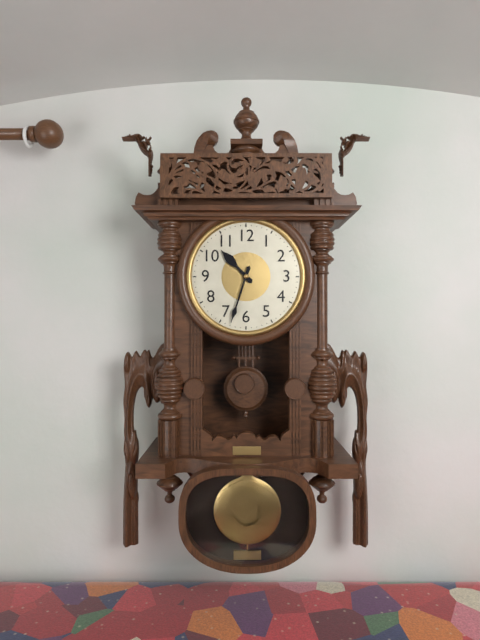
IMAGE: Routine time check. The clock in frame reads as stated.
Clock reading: 10:33
